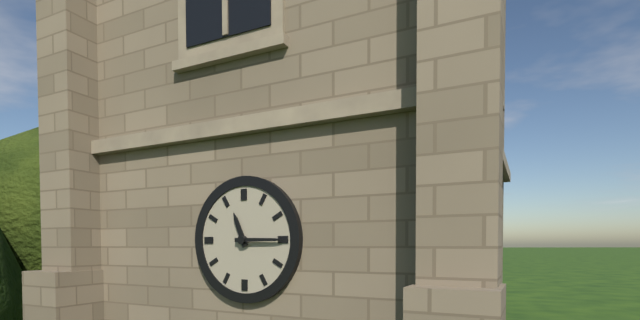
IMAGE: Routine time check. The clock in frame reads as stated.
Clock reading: 11:15
